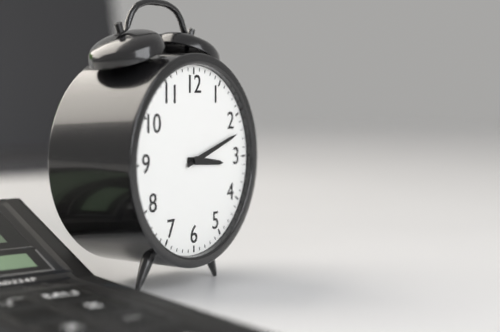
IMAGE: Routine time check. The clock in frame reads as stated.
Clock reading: 3:12
